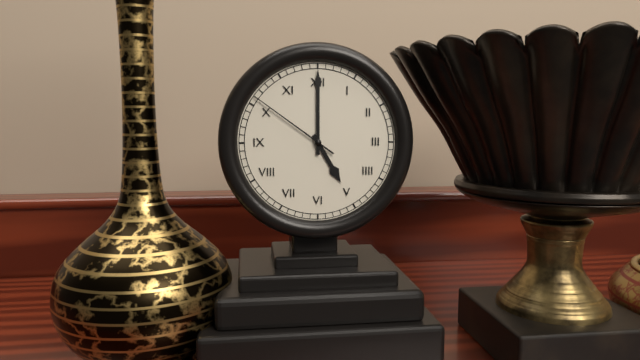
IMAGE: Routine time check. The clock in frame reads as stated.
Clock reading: 5:00:51
